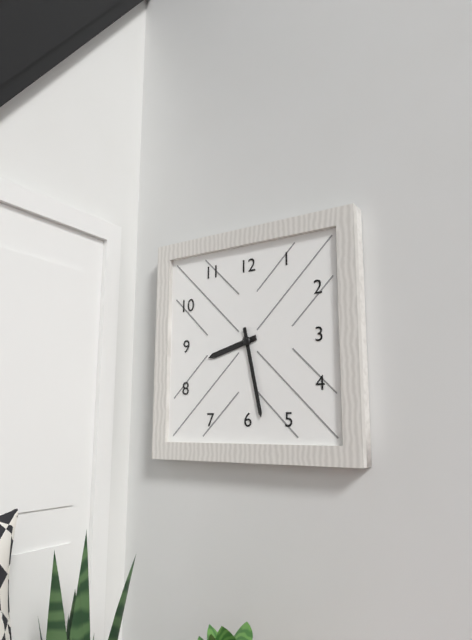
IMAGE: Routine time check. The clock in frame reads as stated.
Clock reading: 8:28
